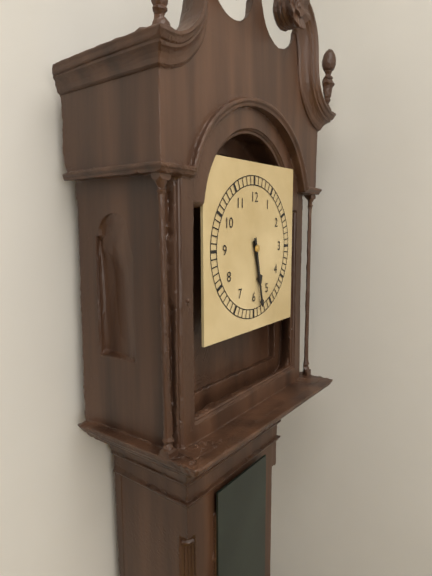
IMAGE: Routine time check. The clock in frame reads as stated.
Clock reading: 5:28
